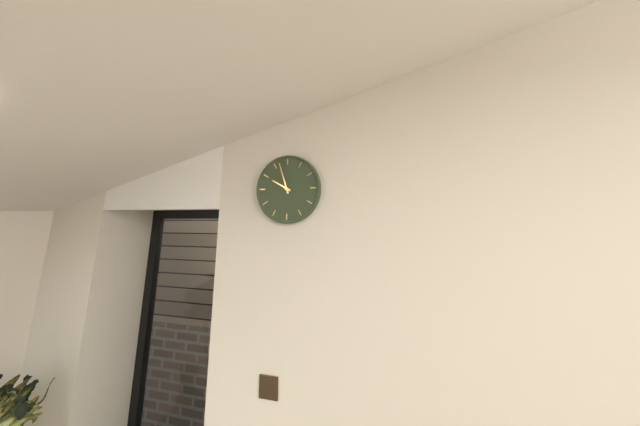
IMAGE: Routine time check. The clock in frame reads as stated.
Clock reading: 9:57
